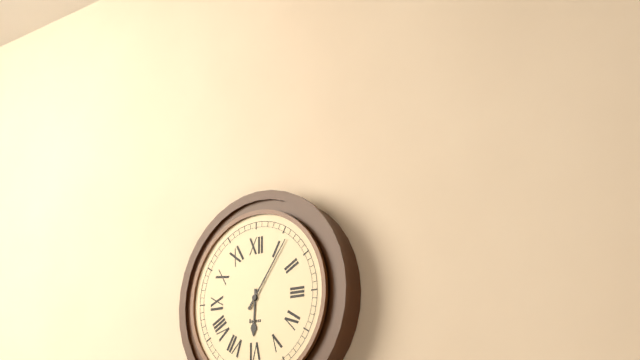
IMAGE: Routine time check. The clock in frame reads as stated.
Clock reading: 6:06
